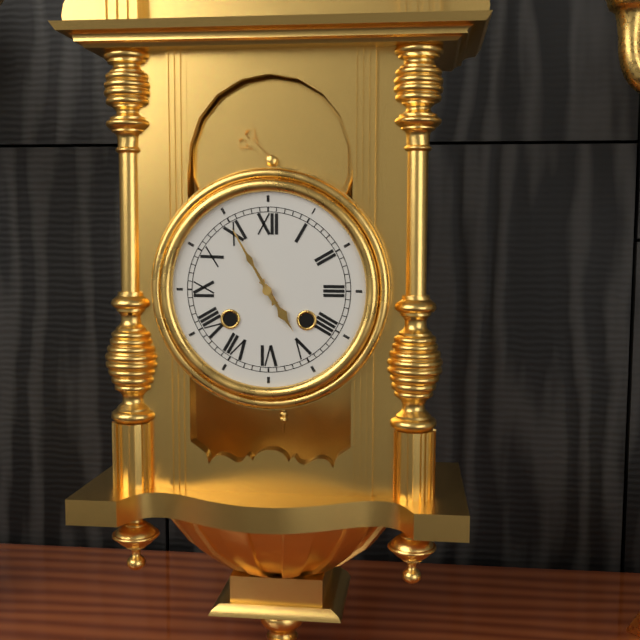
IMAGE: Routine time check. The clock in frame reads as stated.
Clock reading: 4:55
